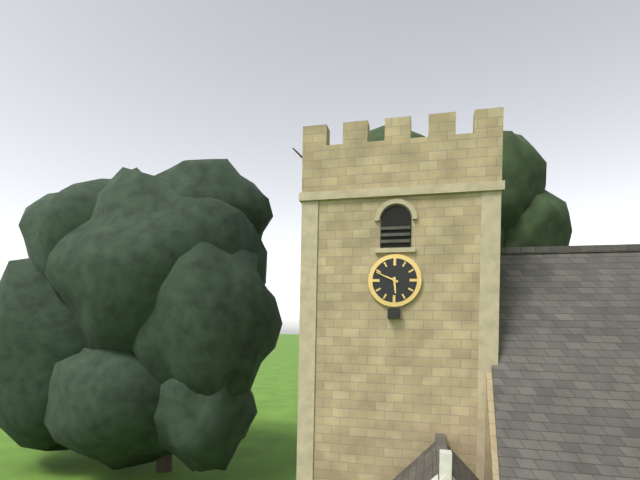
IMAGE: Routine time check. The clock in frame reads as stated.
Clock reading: 5:49
